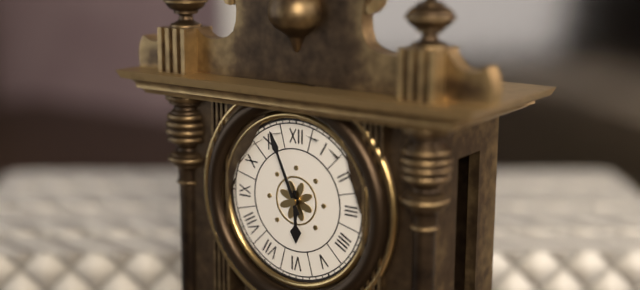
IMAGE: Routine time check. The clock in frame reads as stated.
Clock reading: 5:56
